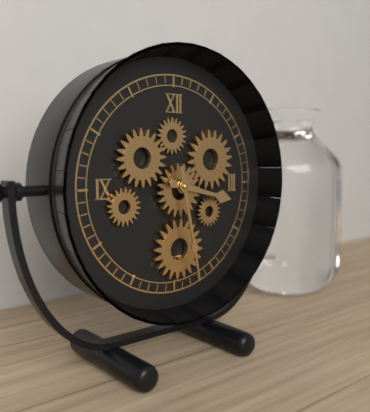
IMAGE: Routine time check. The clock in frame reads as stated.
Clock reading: 3:28
